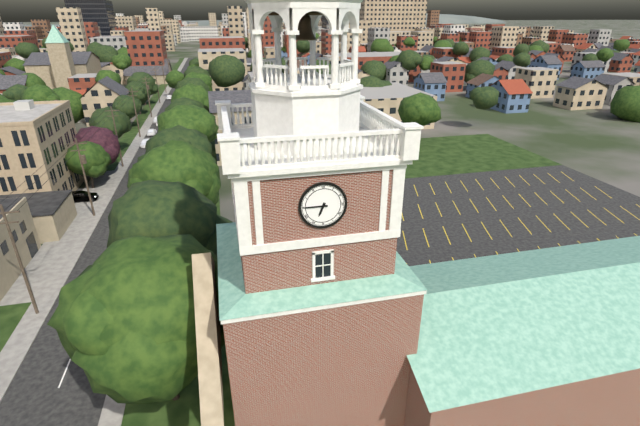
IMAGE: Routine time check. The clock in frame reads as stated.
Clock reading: 6:45
